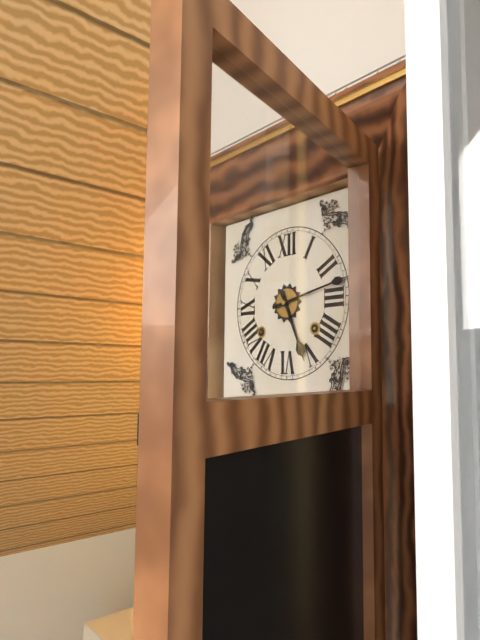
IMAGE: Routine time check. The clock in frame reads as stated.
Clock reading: 5:13
